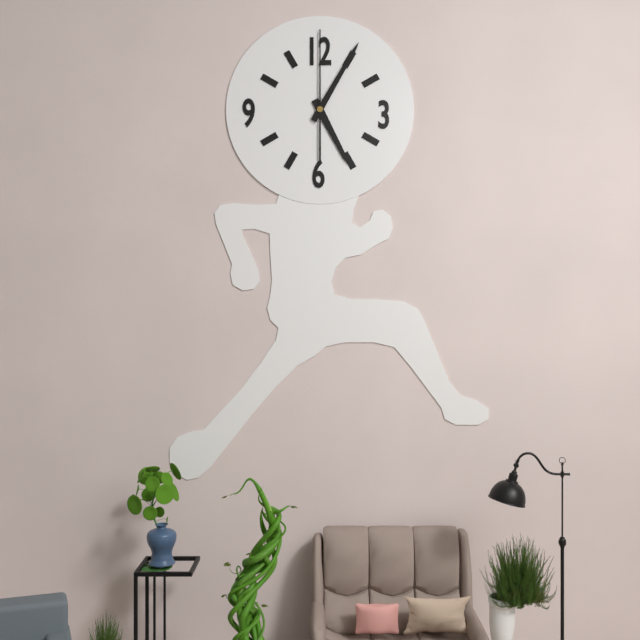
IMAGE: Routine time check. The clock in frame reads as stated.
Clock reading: 5:05:00
